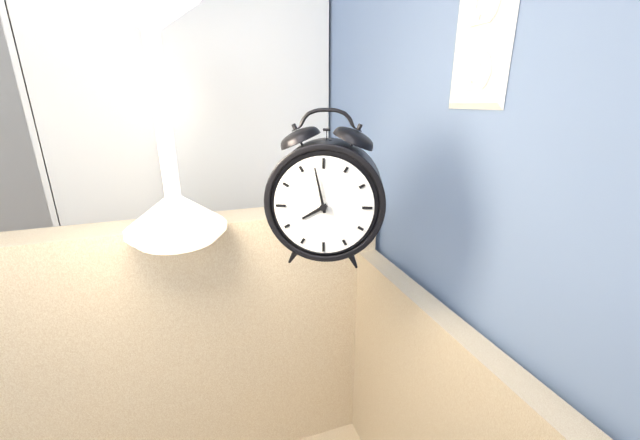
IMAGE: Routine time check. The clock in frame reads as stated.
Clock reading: 7:58
